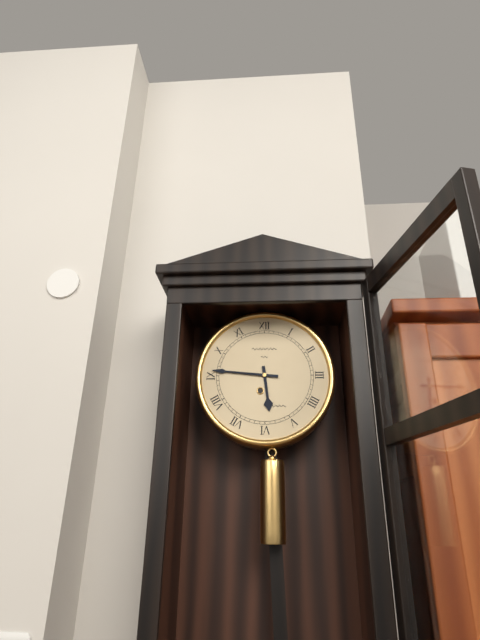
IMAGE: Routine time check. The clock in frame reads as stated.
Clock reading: 5:46
